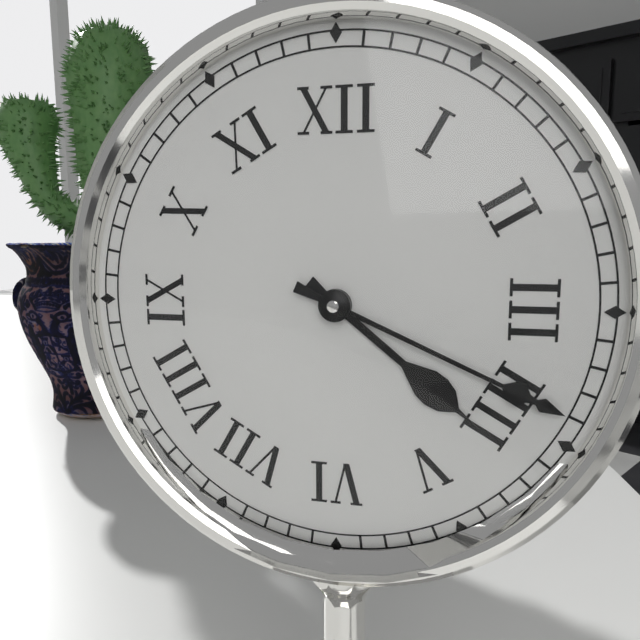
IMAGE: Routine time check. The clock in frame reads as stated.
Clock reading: 4:19
